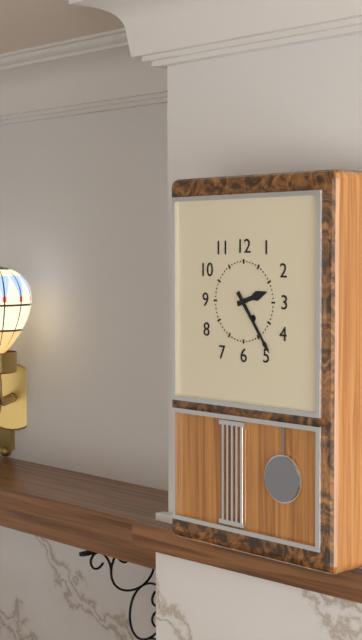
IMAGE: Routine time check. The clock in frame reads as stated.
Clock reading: 2:24
